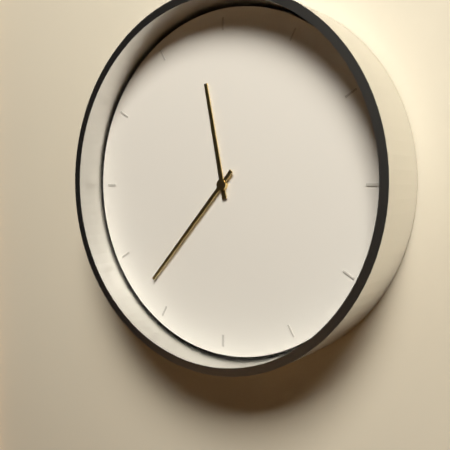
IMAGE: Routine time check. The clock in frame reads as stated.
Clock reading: 11:37
